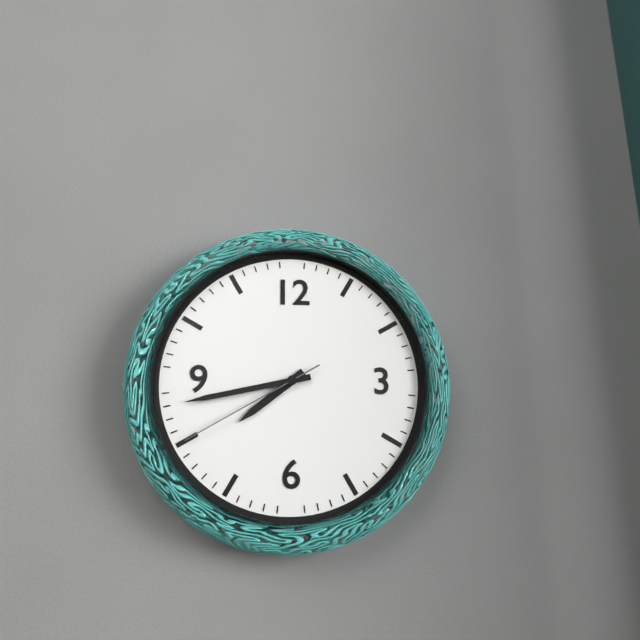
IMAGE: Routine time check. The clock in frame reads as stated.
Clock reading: 7:43:40
